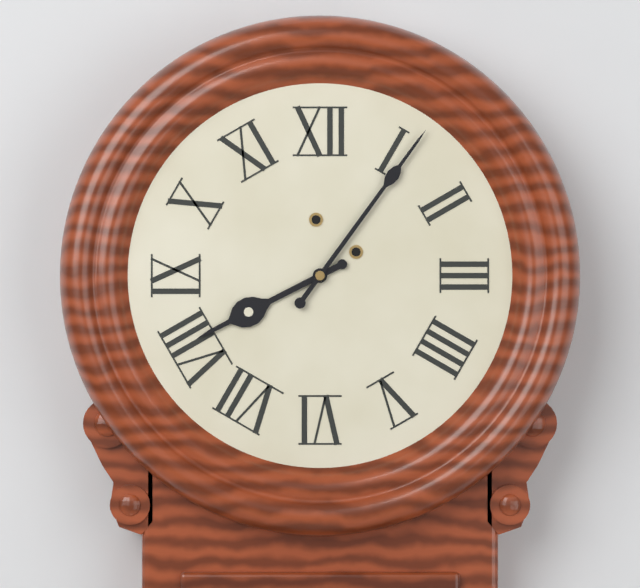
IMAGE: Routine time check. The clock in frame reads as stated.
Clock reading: 8:06
